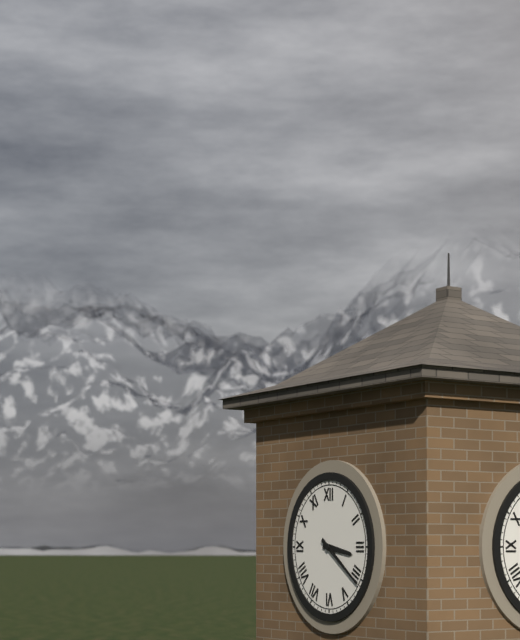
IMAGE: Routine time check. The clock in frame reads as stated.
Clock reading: 3:21
